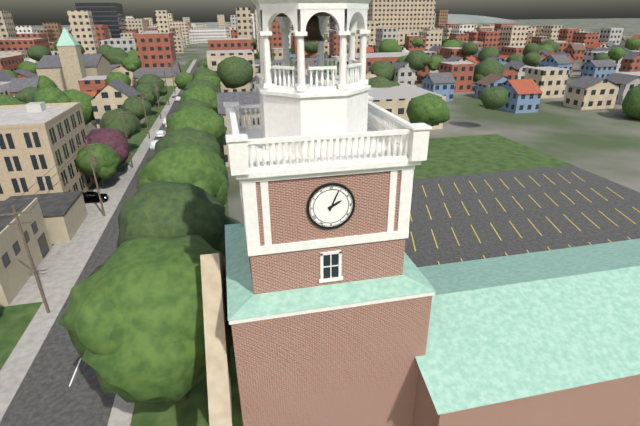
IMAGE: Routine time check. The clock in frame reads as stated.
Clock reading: 2:04
